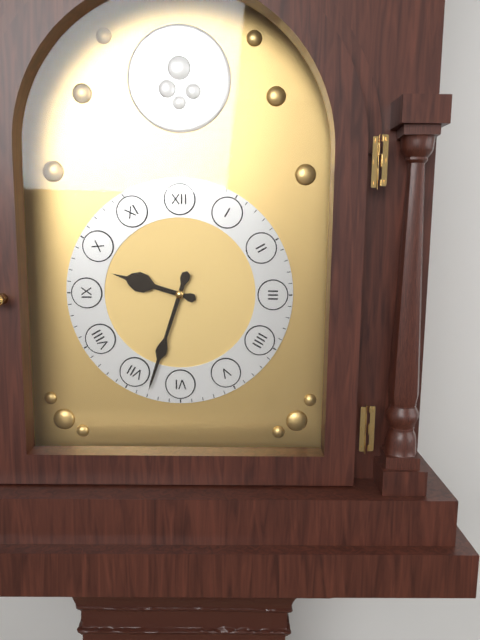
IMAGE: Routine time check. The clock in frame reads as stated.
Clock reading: 9:33
